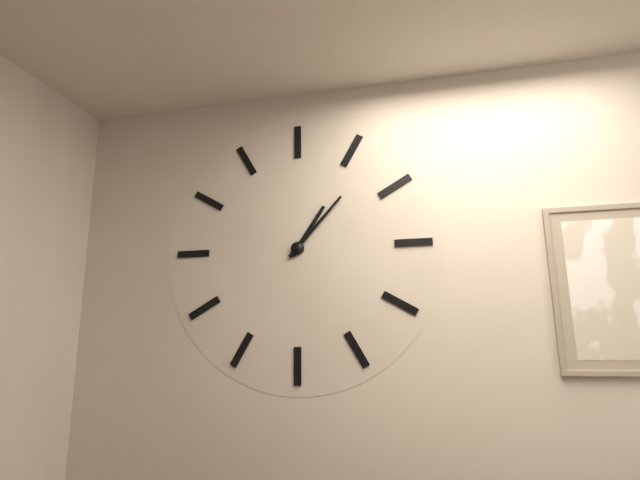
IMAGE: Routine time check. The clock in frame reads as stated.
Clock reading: 1:07
